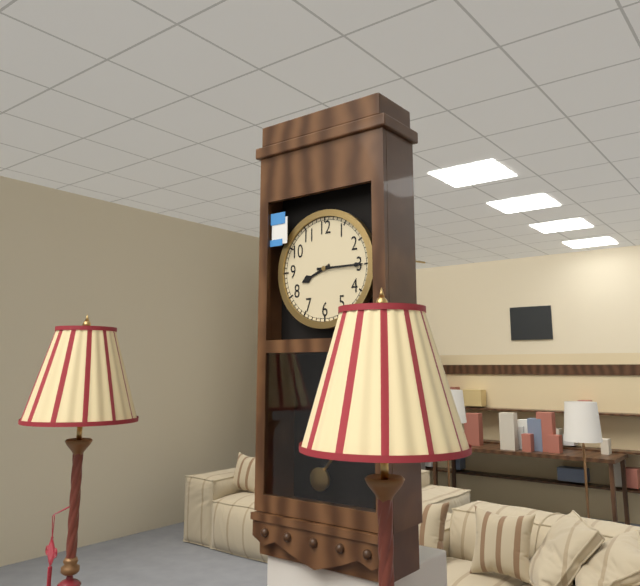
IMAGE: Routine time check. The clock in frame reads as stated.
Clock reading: 8:15
